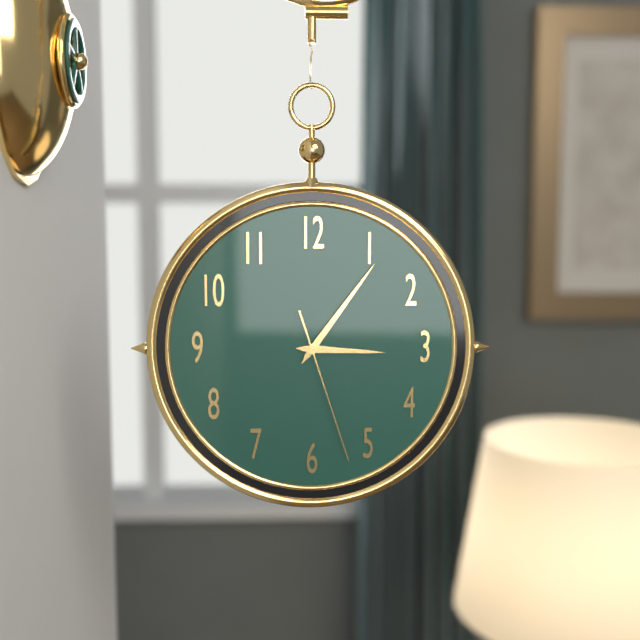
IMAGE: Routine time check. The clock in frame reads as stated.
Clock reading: 3:06:27
